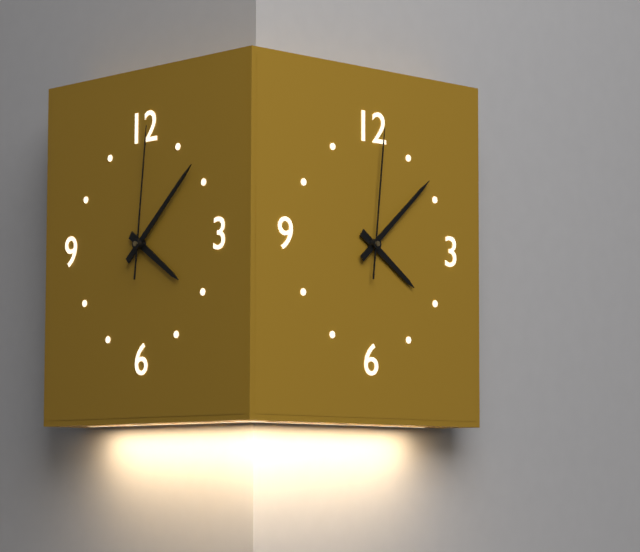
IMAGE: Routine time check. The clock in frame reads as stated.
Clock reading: 4:08:01
